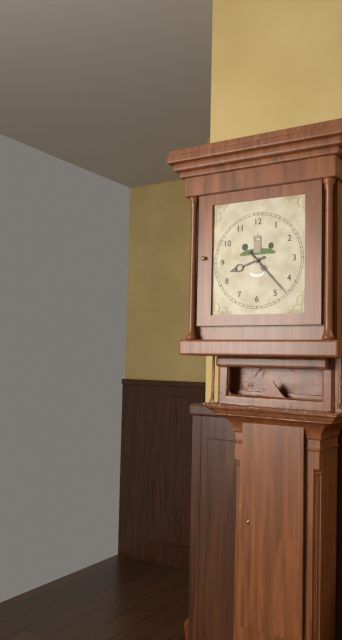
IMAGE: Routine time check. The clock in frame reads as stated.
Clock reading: 8:23
